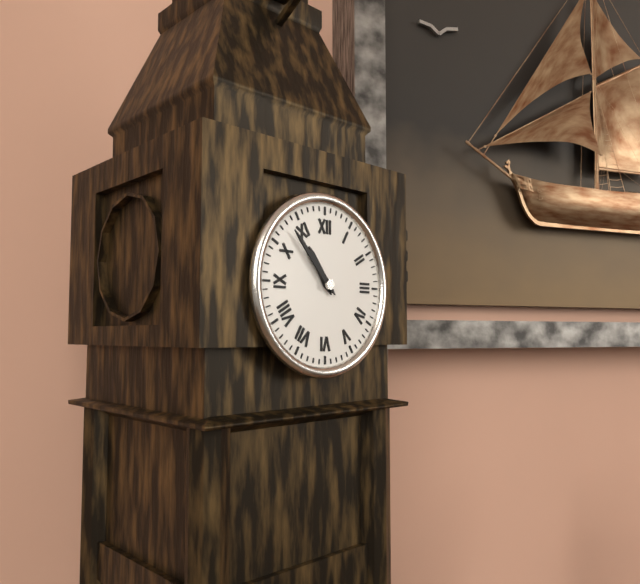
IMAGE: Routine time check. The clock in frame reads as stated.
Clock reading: 10:53
